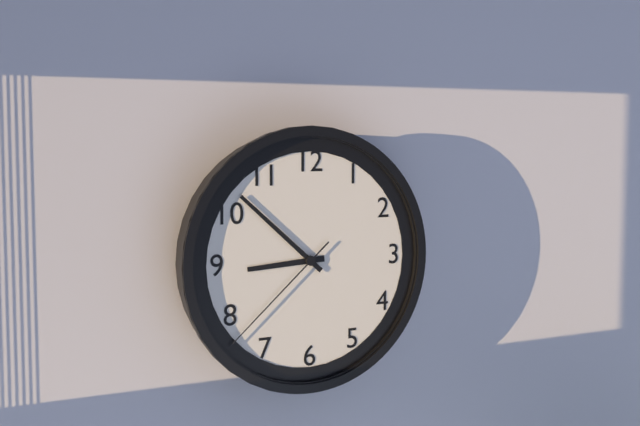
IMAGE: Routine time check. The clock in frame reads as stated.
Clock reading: 8:52:38
